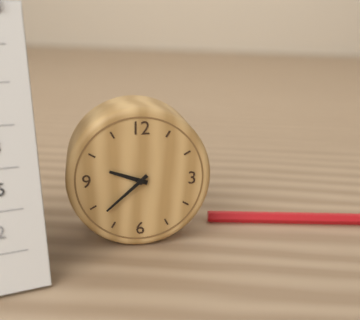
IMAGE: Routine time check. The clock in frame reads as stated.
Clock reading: 9:38
